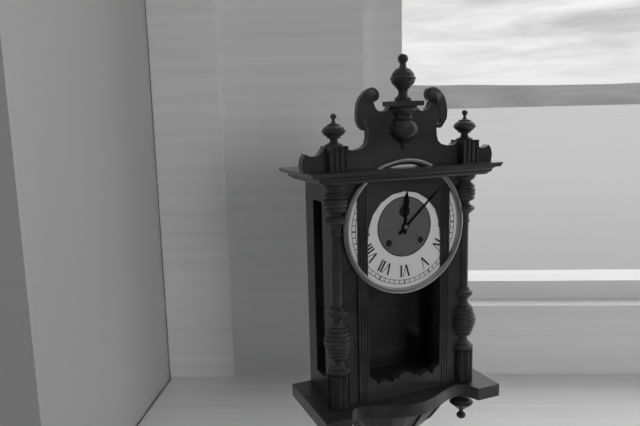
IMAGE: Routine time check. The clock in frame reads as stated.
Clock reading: 12:08
